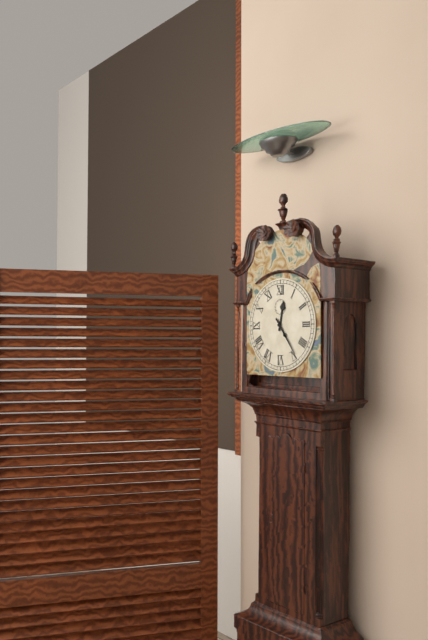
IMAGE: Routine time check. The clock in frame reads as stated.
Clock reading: 12:24
